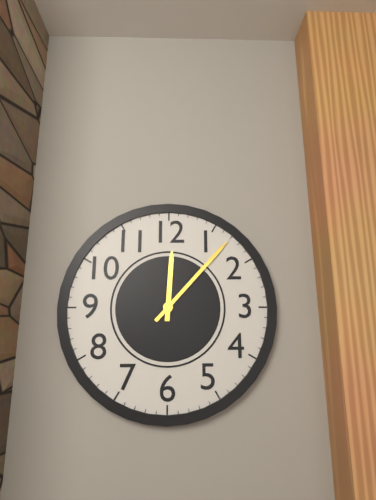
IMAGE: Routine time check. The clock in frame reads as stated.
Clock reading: 12:07
